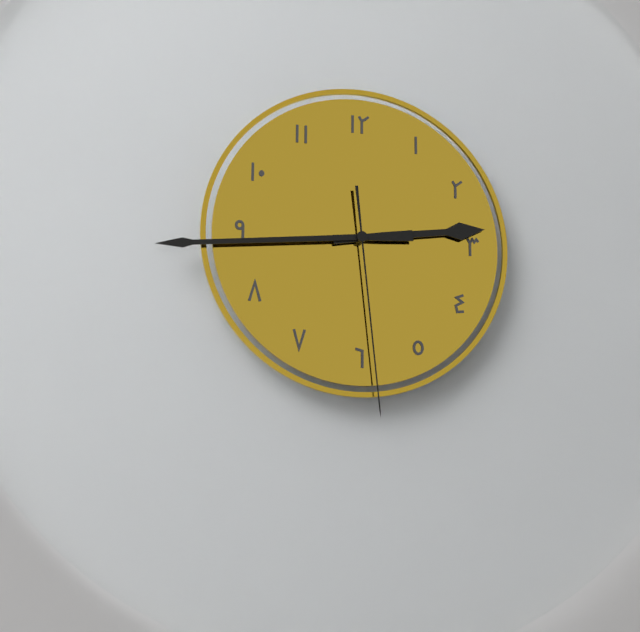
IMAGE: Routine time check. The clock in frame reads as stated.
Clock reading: 2:44:29
